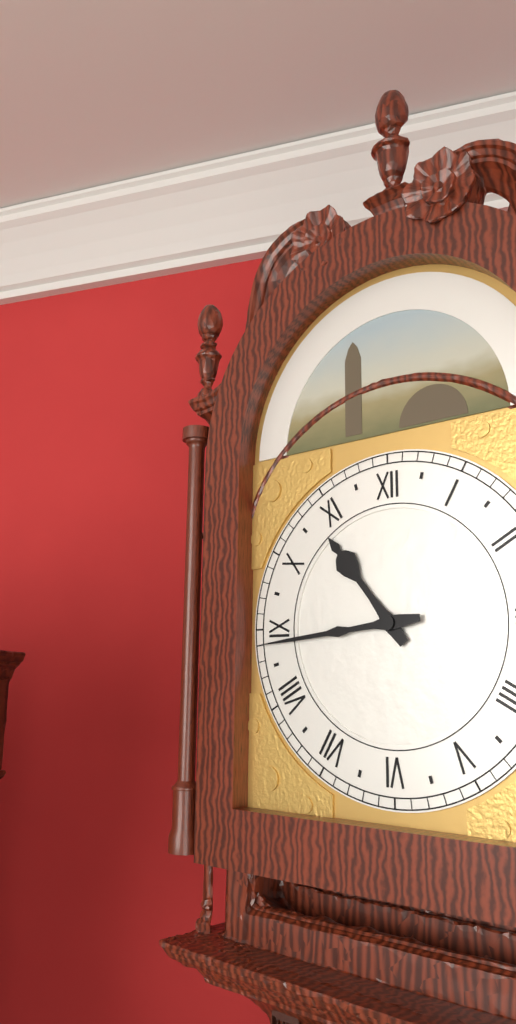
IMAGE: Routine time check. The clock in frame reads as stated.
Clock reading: 10:44
